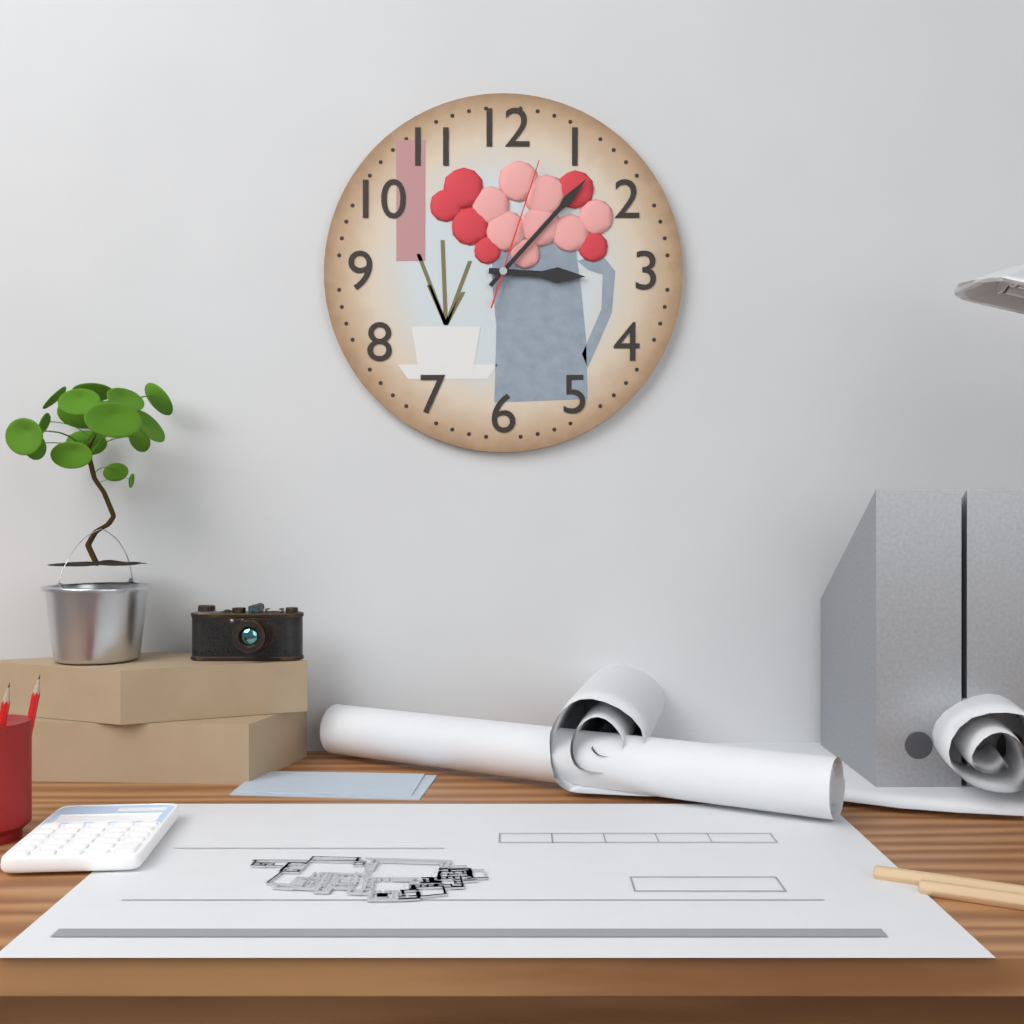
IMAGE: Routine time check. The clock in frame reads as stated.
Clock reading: 3:07:03
